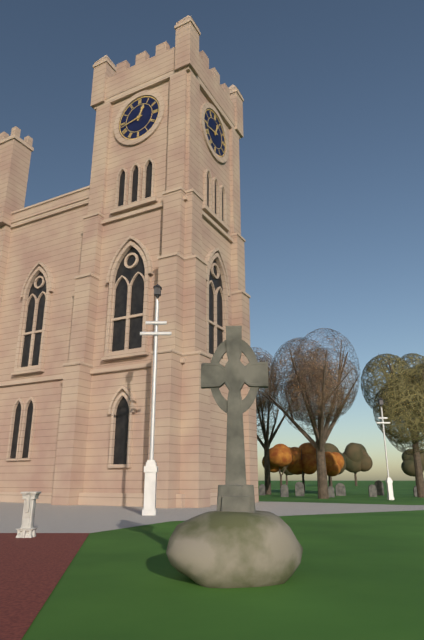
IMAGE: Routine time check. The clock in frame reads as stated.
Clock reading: 12:43
